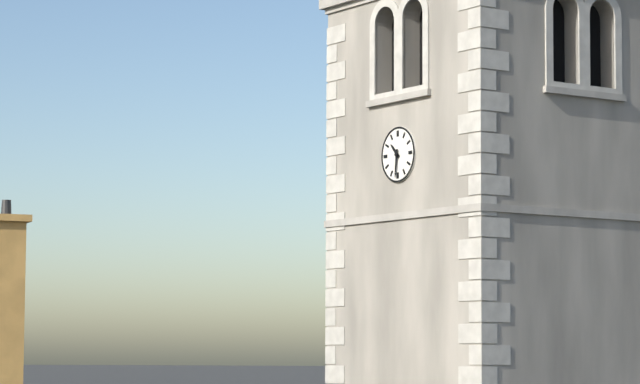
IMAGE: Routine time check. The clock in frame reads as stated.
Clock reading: 10:31
